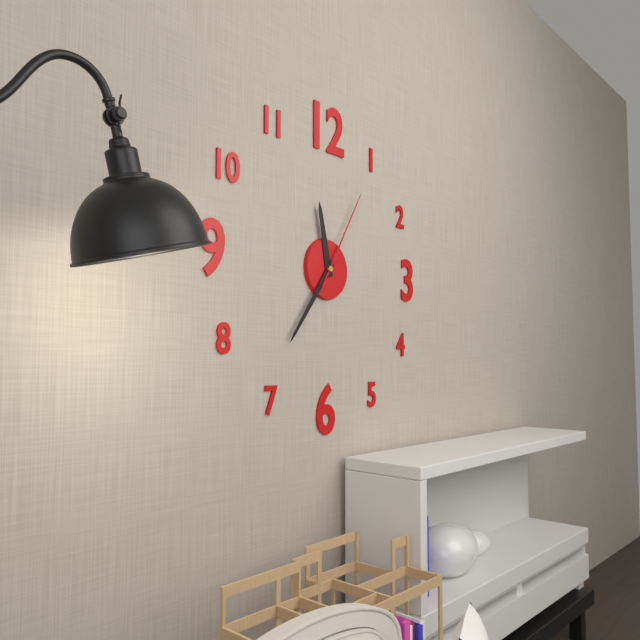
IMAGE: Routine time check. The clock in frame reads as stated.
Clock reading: 11:36:05
